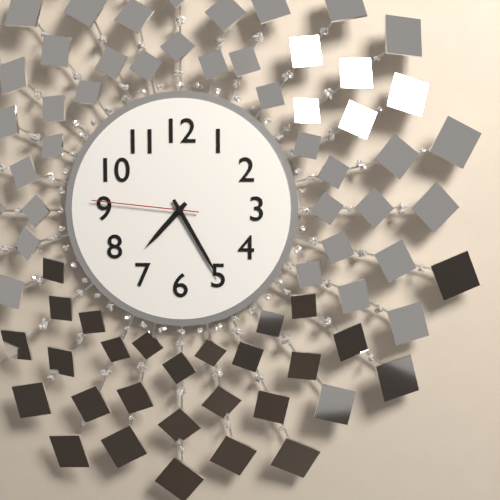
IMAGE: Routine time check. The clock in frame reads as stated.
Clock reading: 7:25:46
